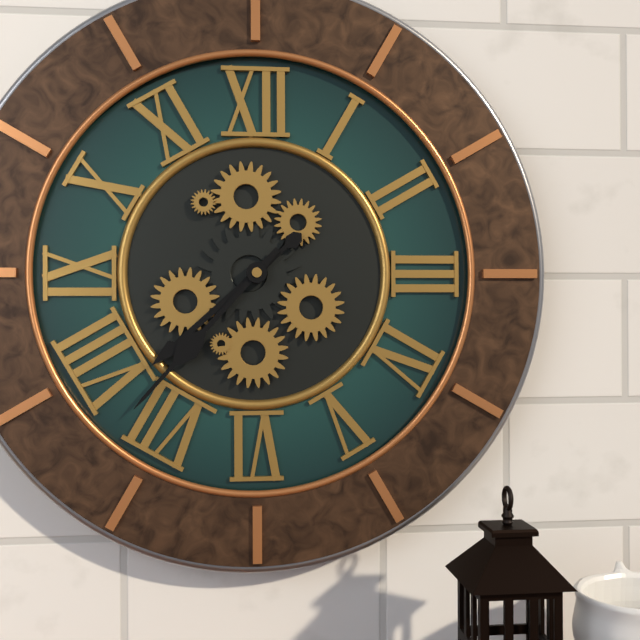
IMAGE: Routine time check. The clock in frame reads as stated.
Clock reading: 7:37
